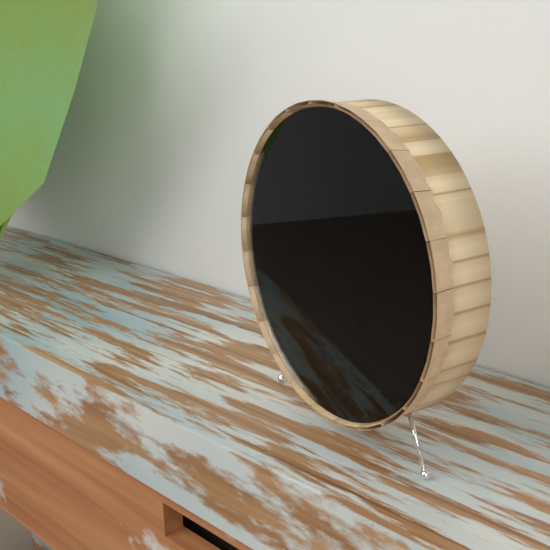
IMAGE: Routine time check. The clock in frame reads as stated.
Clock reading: 6:03
